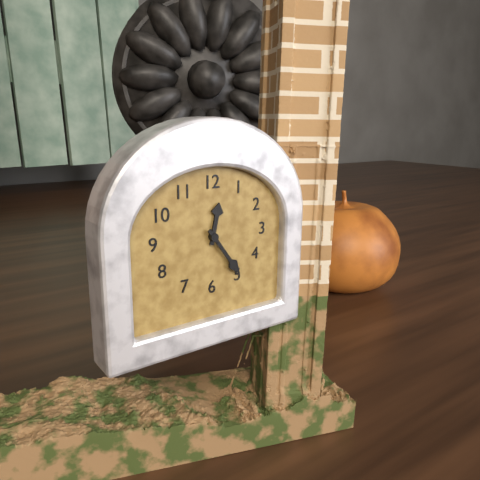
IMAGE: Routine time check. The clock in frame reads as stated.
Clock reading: 12:24
